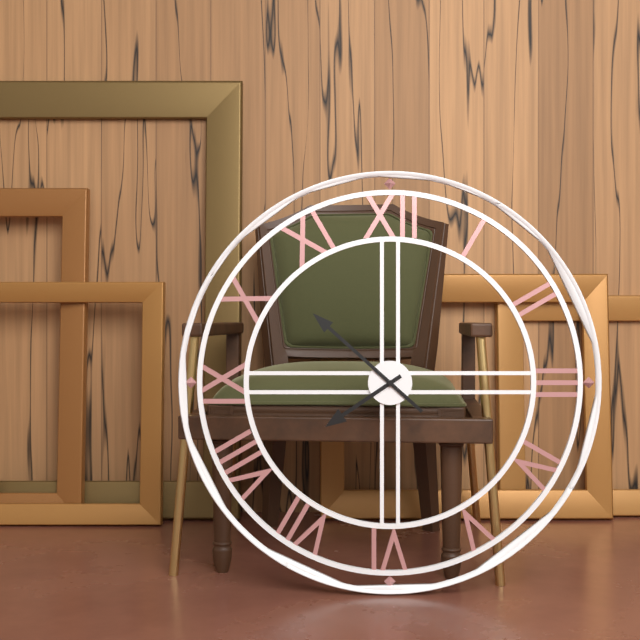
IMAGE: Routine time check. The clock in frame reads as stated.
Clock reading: 7:52
